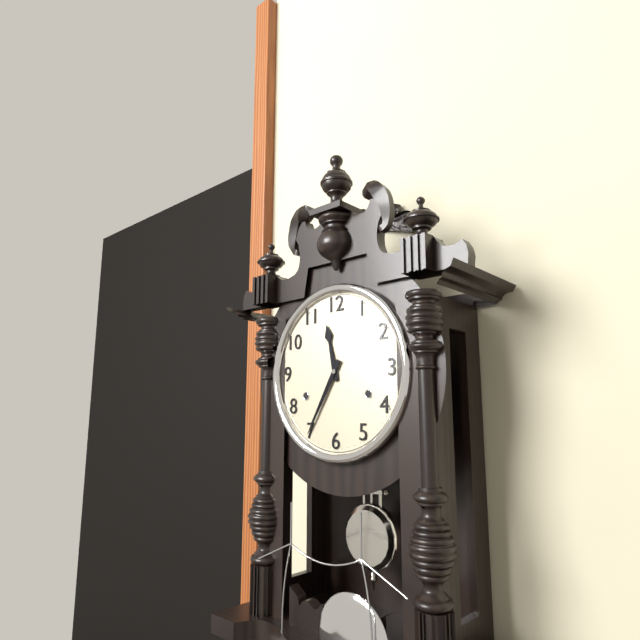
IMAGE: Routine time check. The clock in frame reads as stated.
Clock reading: 11:35
